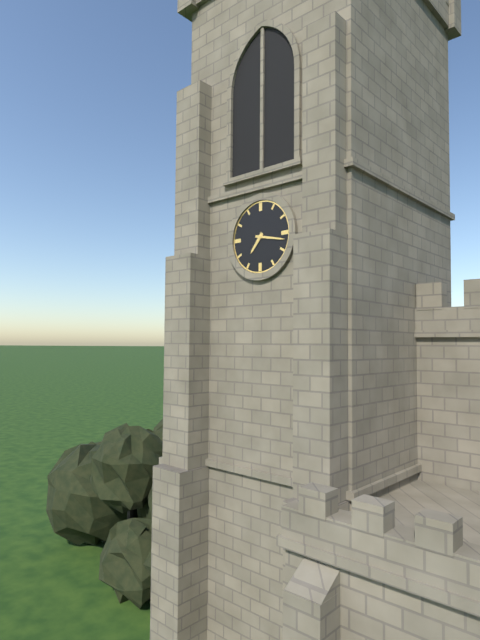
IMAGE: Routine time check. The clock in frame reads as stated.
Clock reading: 7:17
